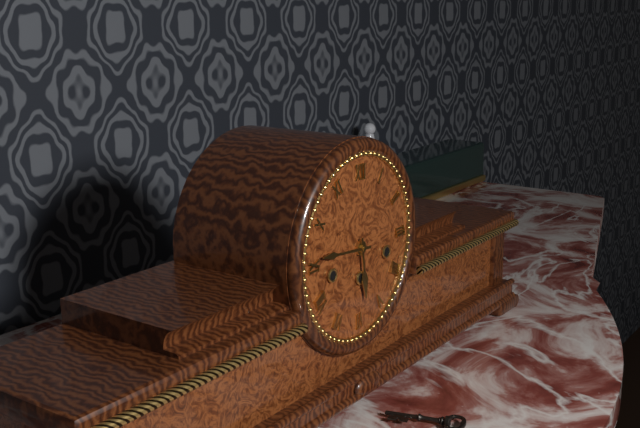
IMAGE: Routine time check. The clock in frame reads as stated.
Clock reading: 5:46
